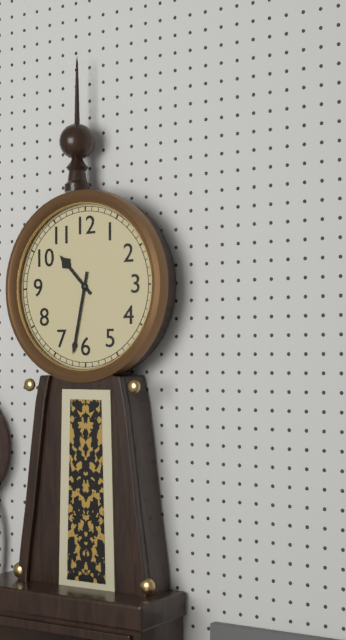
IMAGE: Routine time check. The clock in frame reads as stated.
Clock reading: 10:32
